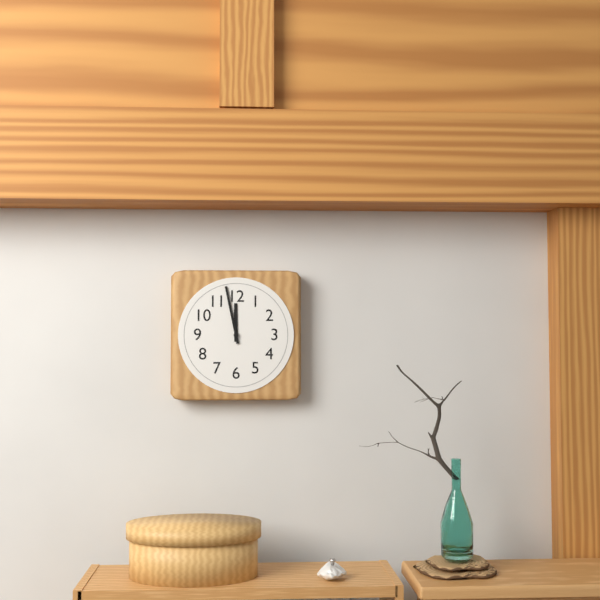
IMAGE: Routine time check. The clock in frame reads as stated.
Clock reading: 11:58
